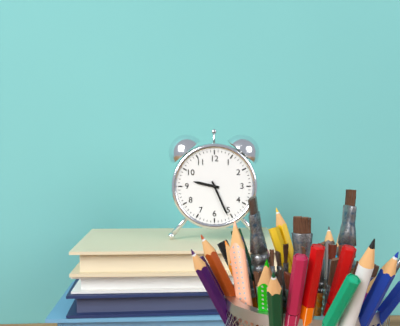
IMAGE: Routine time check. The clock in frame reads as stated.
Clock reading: 9:26
